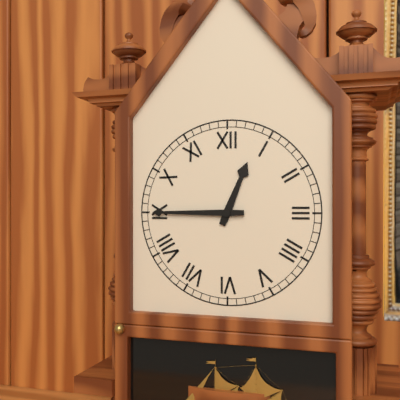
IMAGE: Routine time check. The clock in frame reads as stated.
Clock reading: 12:45
